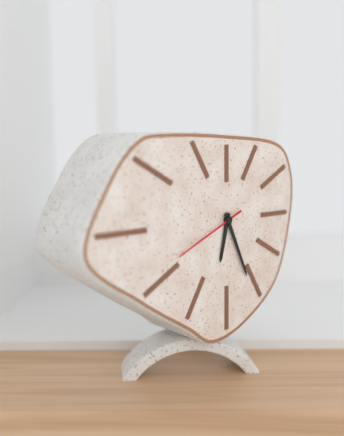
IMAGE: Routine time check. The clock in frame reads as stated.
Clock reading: 6:26:41
